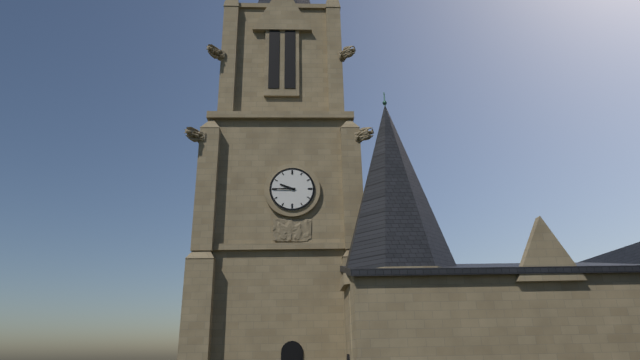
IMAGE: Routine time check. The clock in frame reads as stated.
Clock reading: 9:45
